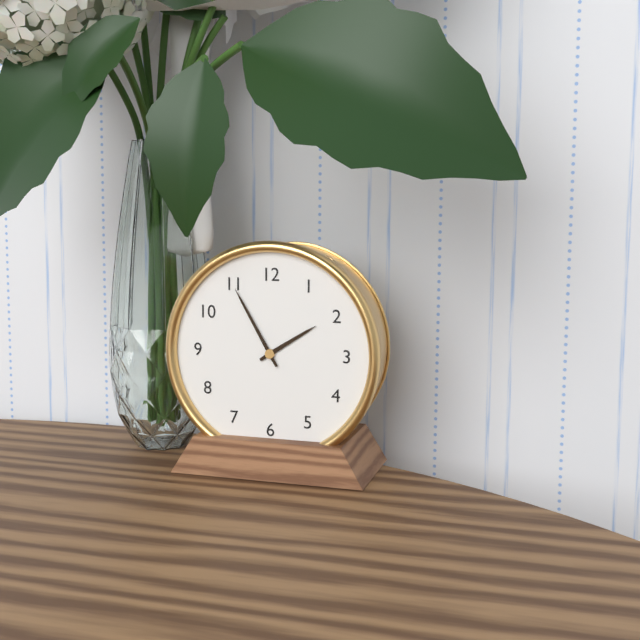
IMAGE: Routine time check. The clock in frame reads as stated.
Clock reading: 1:55
